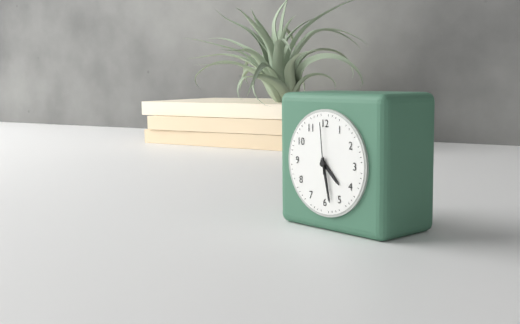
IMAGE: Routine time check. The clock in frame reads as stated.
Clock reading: 4:28:59
